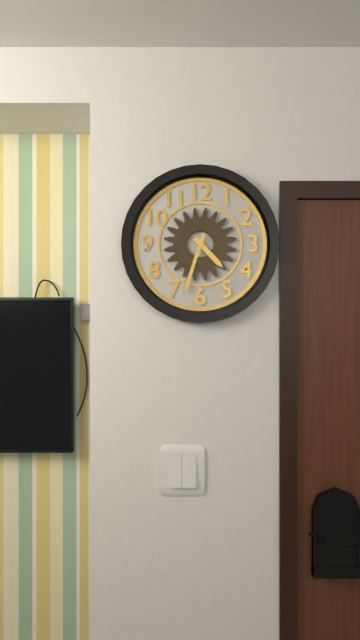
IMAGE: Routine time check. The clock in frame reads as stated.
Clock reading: 4:33
